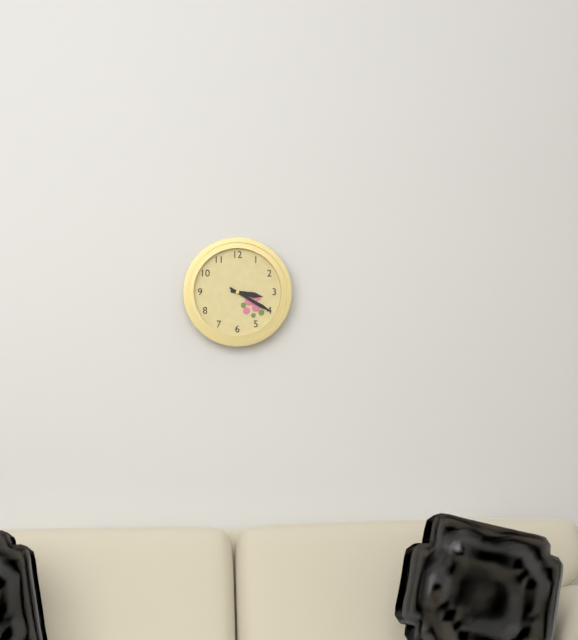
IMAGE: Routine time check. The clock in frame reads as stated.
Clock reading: 3:20
